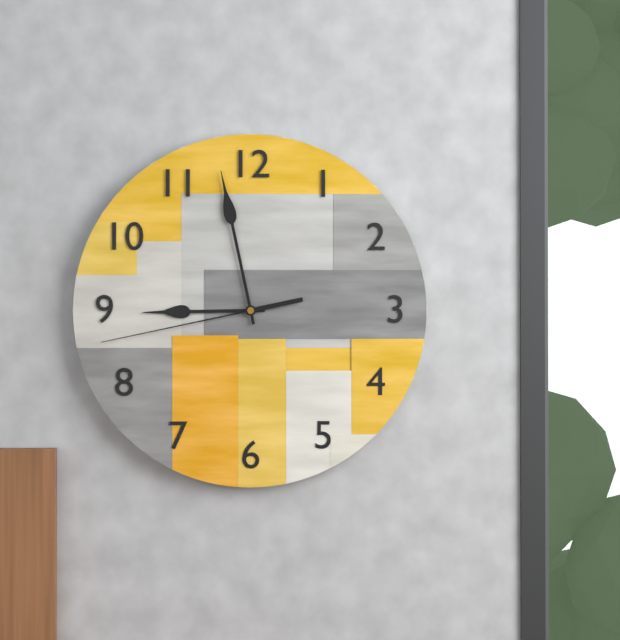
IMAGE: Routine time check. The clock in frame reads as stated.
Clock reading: 8:58:43
